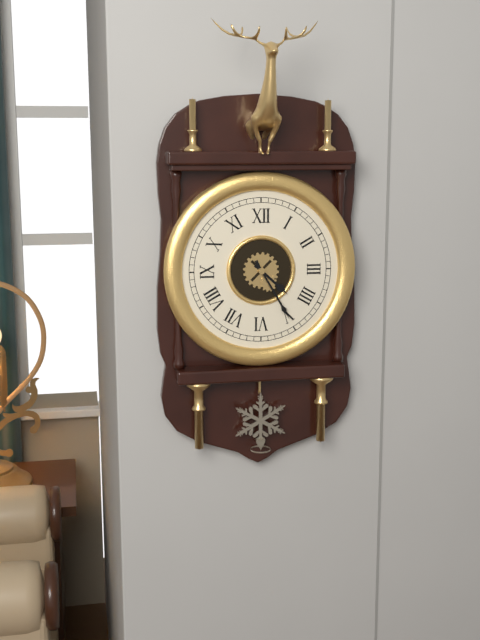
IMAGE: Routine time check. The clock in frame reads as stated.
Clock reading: 4:25
